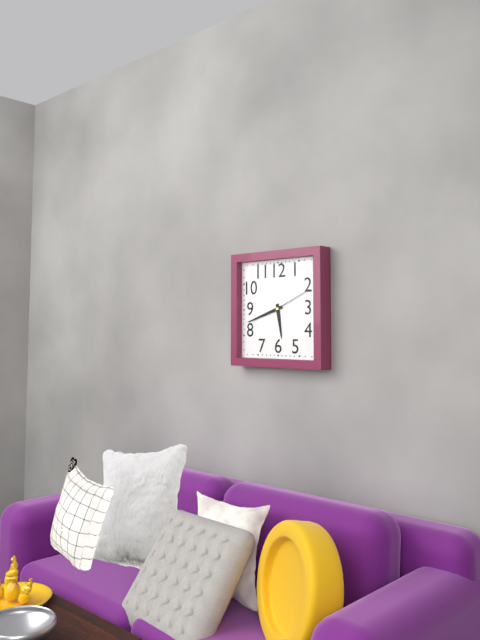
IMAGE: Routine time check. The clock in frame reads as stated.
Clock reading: 5:42
